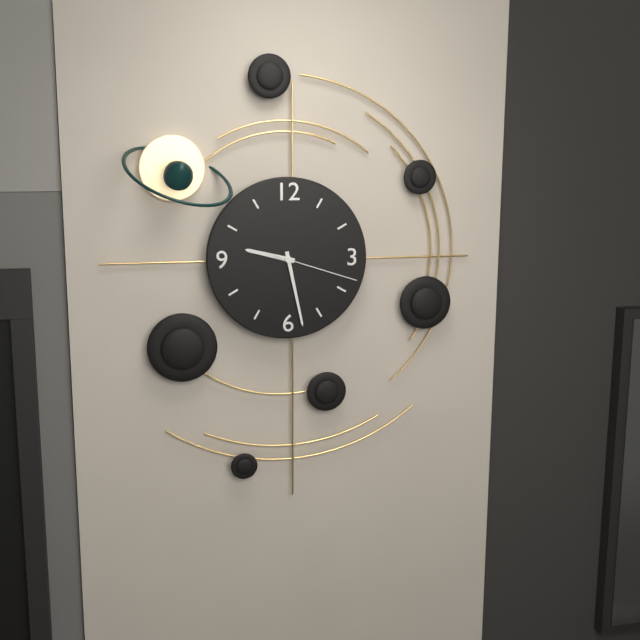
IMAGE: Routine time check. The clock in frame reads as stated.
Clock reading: 9:28:18
